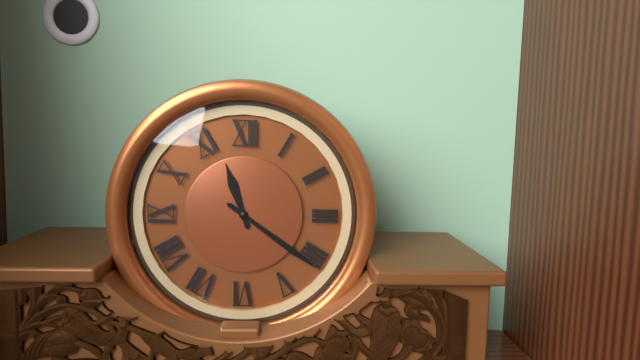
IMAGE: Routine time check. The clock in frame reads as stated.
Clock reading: 11:21
